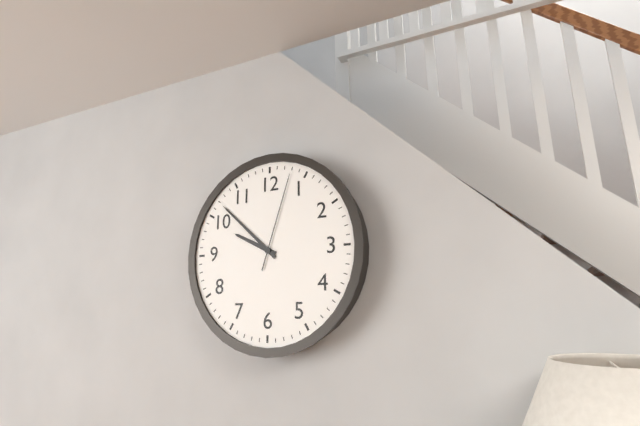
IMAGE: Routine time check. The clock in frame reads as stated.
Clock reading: 9:52:03
